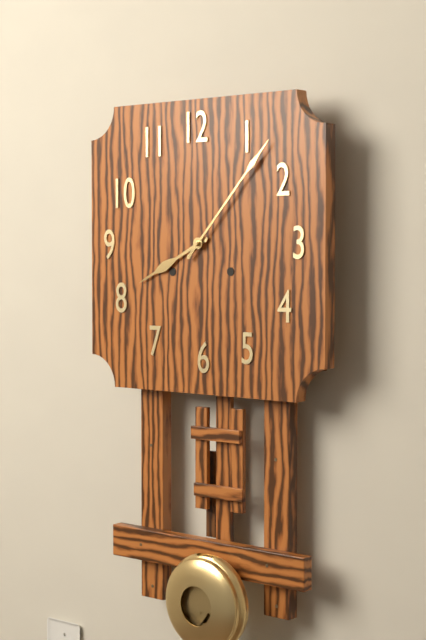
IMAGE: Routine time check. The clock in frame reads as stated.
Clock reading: 8:07
